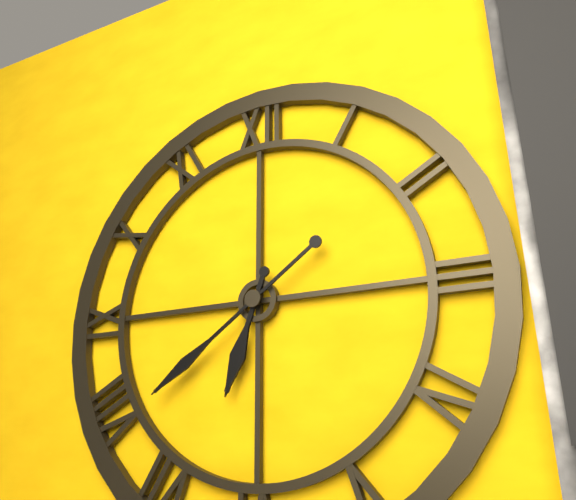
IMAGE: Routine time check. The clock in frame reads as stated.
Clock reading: 6:39
